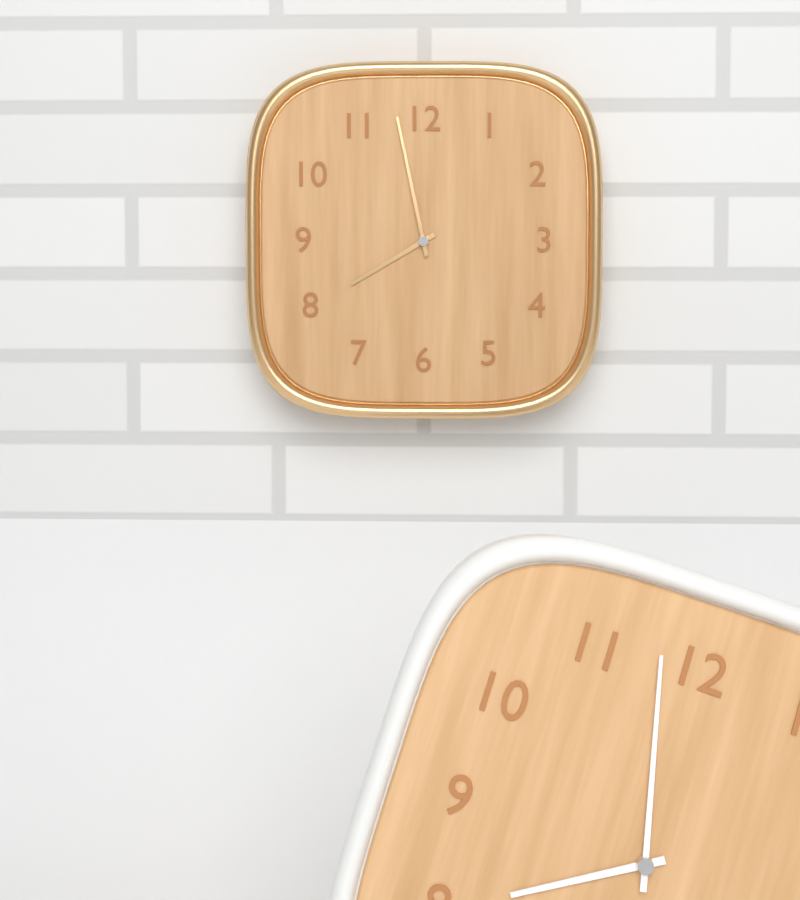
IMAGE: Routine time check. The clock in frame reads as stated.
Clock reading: 7:58
